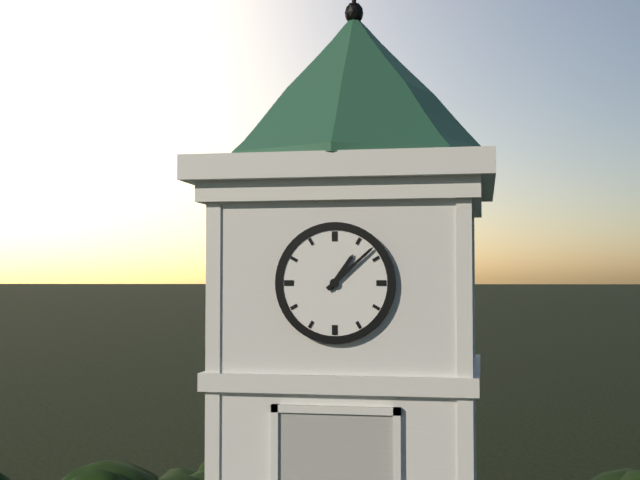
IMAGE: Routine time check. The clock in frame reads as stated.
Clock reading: 1:08
